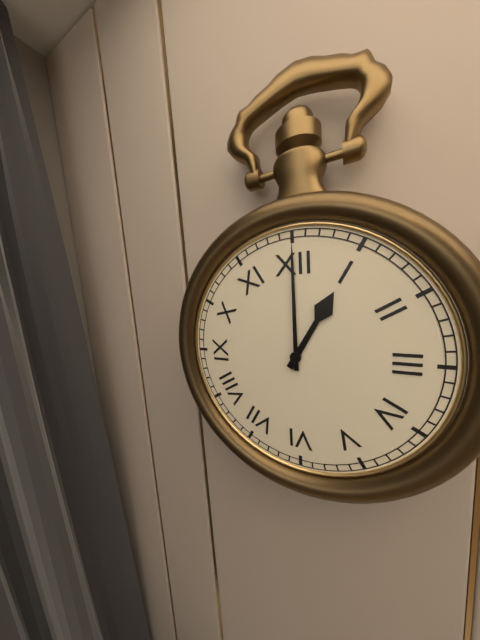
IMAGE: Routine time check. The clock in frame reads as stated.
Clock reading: 1:00
